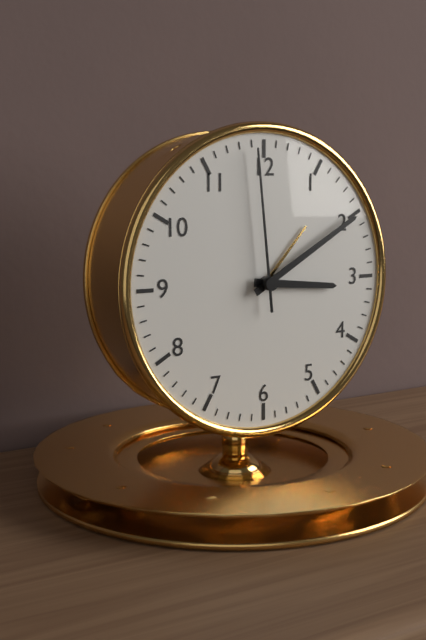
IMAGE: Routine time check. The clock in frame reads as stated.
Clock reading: 3:10:59
